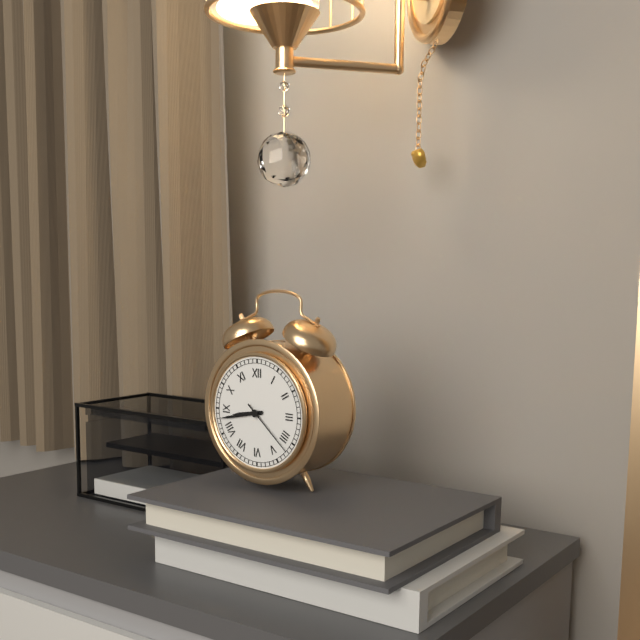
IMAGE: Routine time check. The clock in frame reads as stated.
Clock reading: 8:43:22
